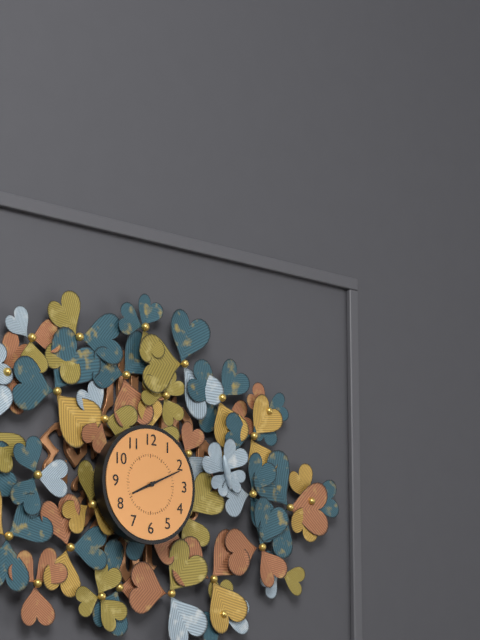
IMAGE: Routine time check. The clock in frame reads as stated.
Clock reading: 8:11
